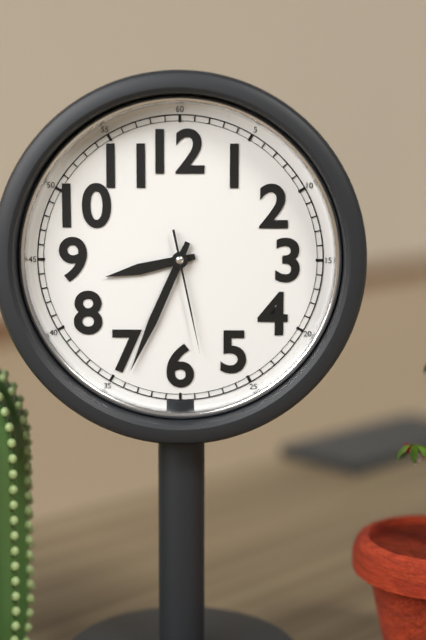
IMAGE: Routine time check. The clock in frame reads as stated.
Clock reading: 8:34:28
